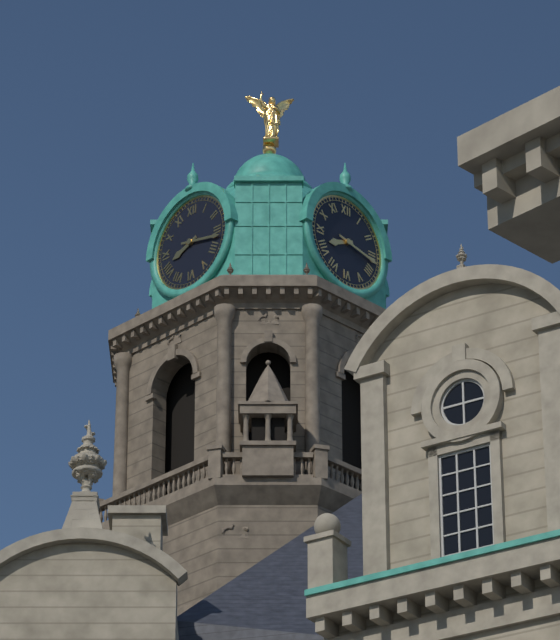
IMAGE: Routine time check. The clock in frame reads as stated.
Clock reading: 8:17
